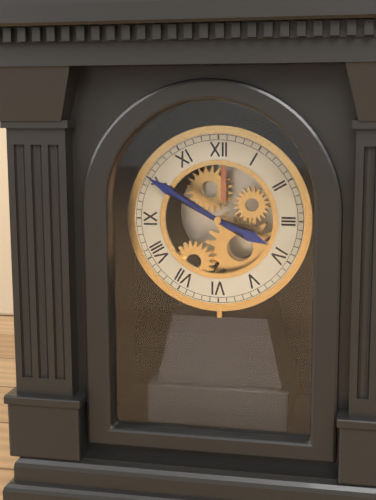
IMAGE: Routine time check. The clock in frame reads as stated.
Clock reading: 3:50
